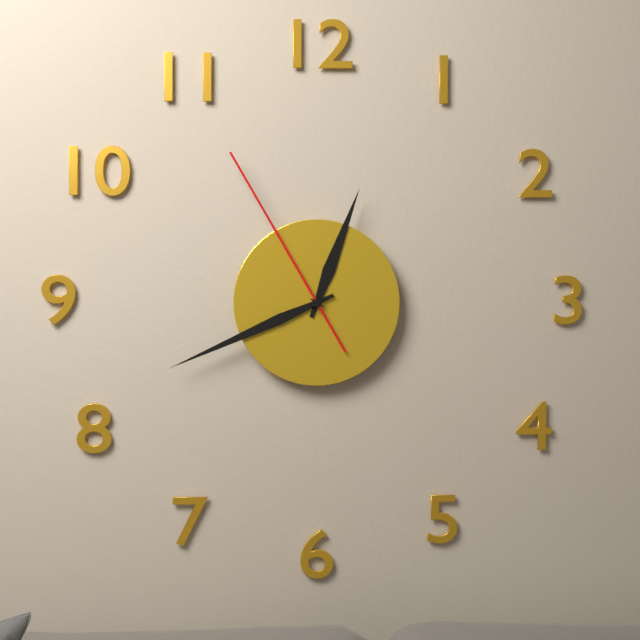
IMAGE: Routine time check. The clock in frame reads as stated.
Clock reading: 12:41:55
